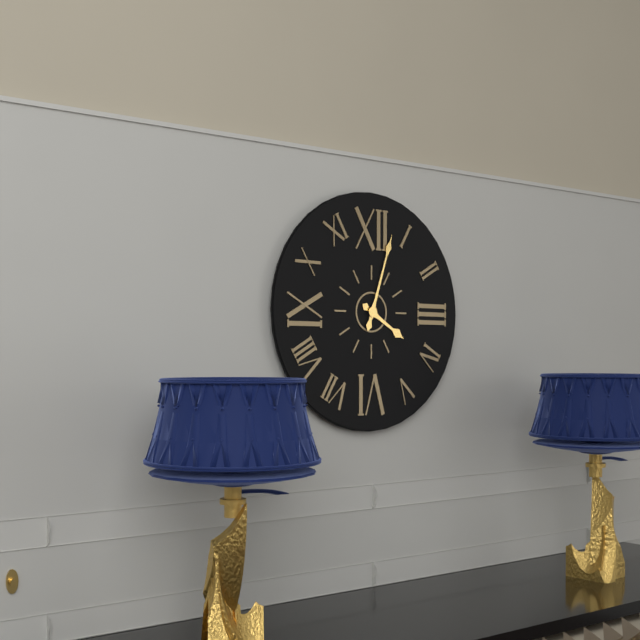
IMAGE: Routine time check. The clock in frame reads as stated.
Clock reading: 4:03
